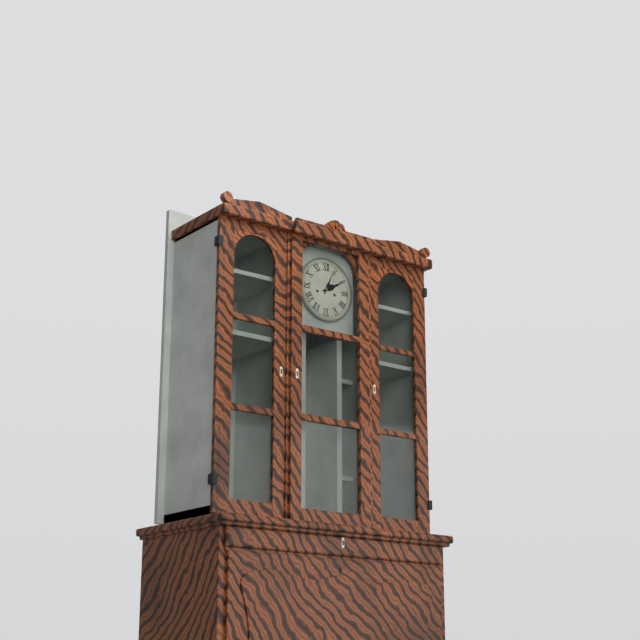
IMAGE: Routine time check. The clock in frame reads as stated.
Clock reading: 2:04
